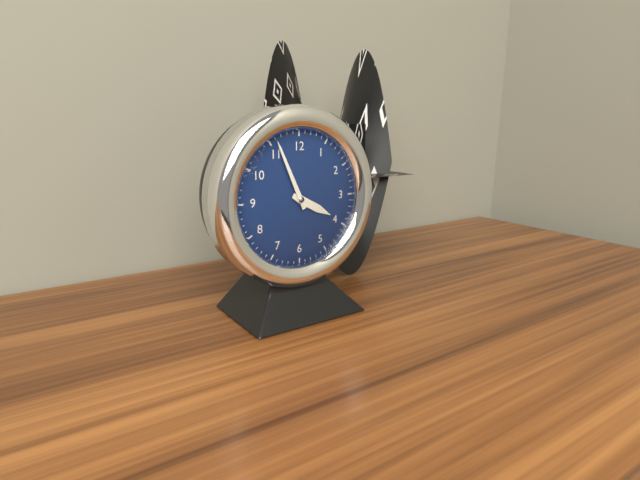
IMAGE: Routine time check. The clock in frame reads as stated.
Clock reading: 3:56
